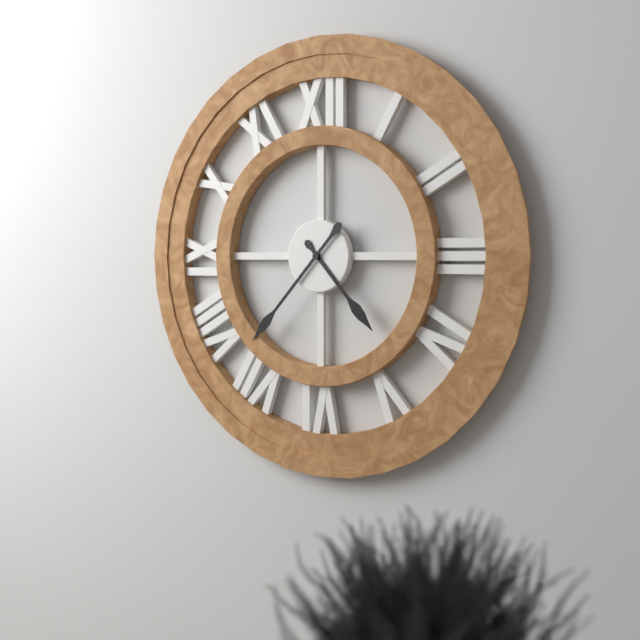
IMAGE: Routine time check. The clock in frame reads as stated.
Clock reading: 4:37
